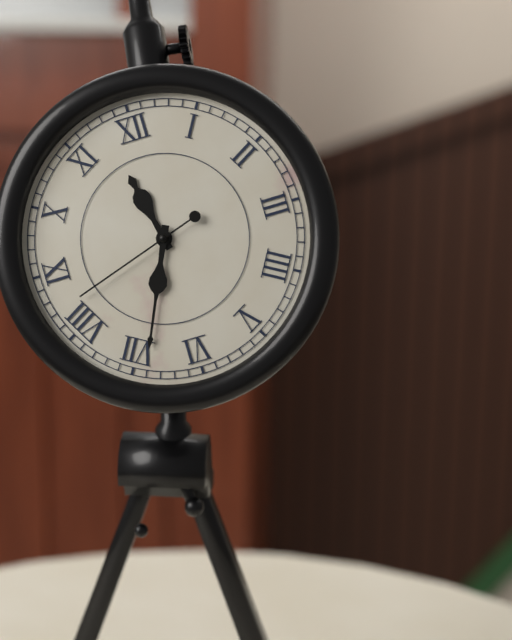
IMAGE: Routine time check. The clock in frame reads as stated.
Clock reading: 11:34:42
